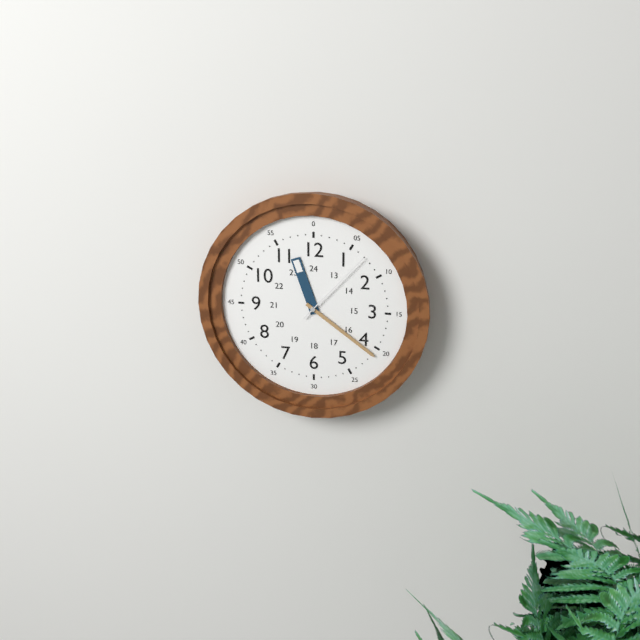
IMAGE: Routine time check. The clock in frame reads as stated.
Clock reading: 11:21:07
